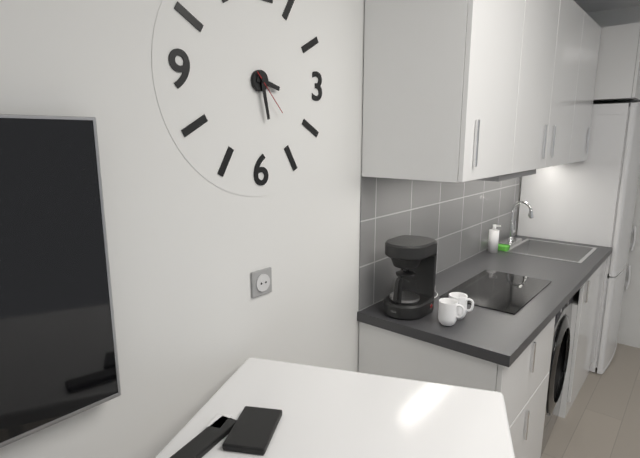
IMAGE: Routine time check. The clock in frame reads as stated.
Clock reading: 3:28:23
